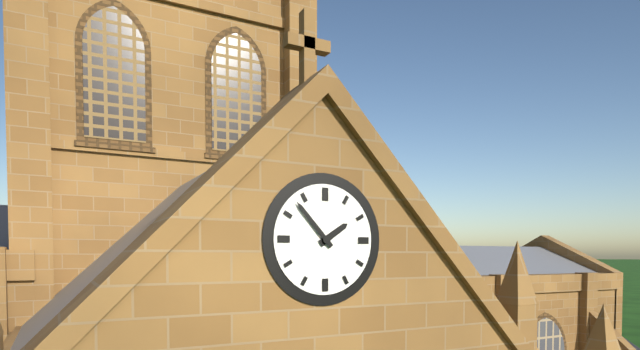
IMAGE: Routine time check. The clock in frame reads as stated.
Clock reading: 1:53
